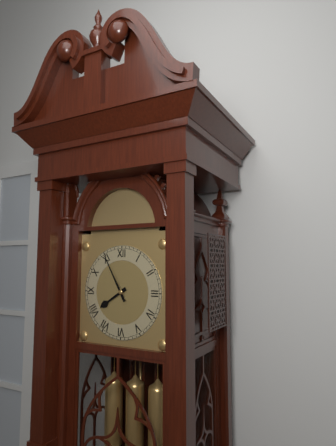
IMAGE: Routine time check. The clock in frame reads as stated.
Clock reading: 7:55
